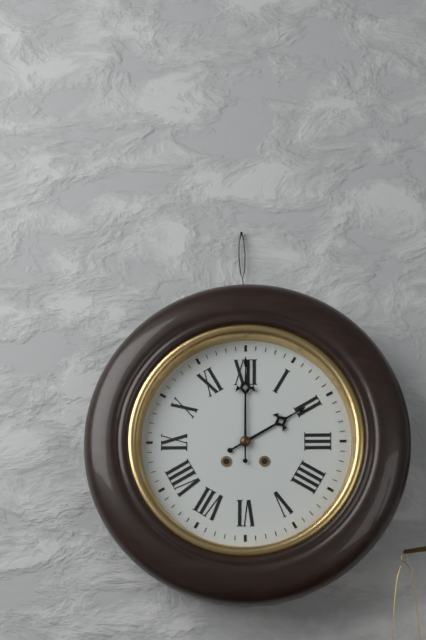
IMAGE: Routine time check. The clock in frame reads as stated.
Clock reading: 2:00
